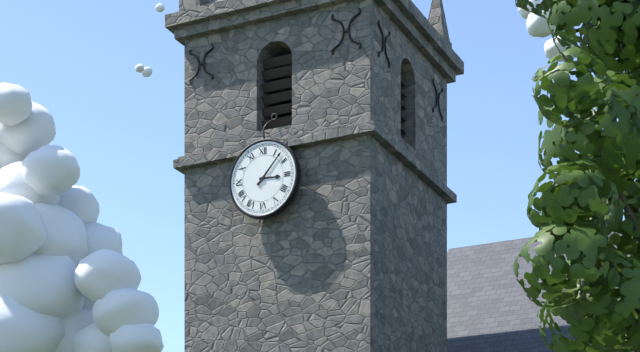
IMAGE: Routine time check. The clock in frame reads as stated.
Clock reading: 3:07
